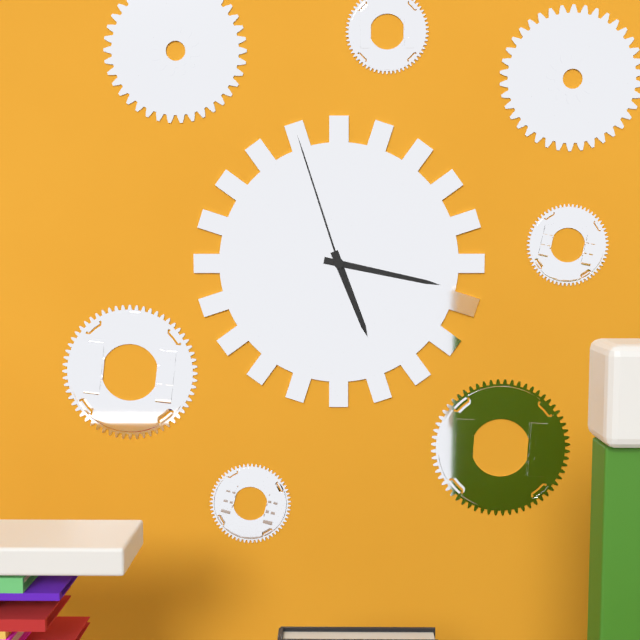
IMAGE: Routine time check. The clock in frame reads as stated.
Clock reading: 5:17:57
